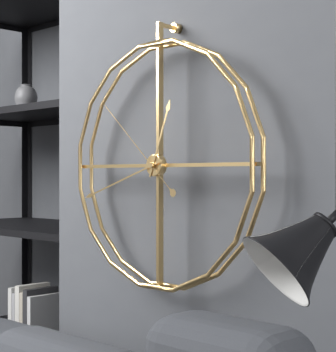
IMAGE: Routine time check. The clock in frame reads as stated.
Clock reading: 12:42:52
